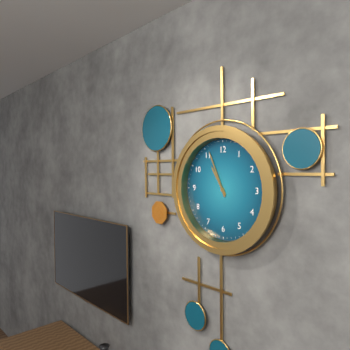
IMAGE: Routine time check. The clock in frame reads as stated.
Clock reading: 10:56
